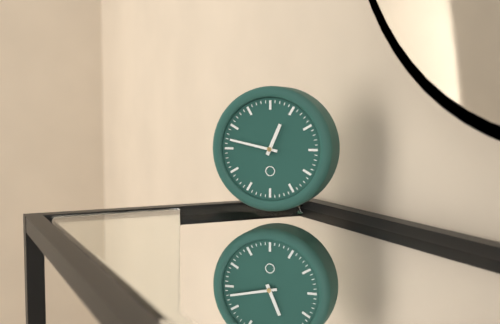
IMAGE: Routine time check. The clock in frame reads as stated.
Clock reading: 12:47
